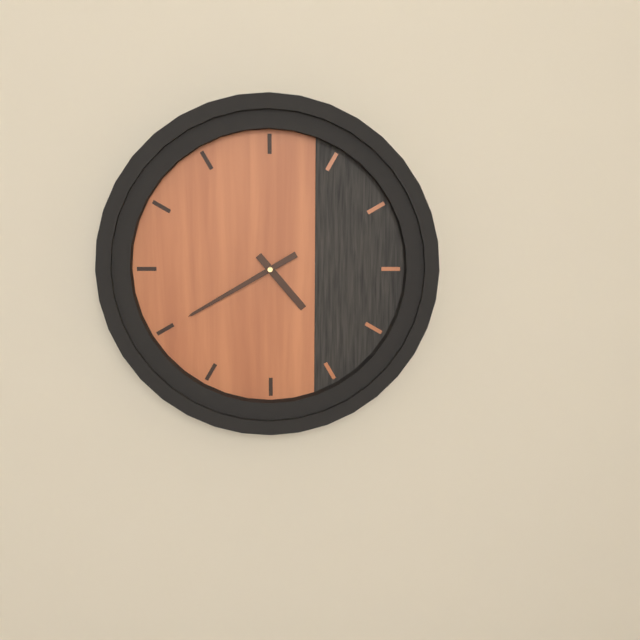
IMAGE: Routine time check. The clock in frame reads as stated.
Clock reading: 4:40
